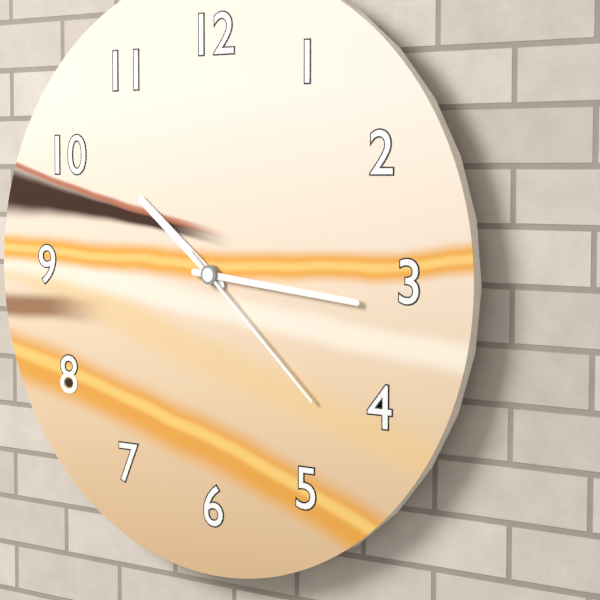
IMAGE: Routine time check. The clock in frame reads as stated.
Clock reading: 10:16:22
